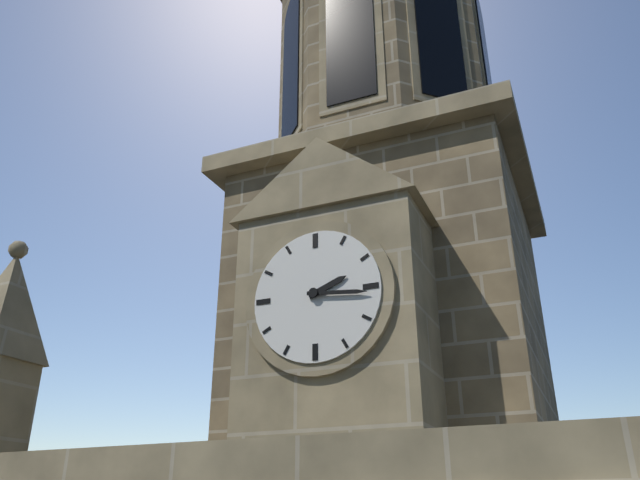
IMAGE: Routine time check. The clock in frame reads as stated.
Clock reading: 2:16
